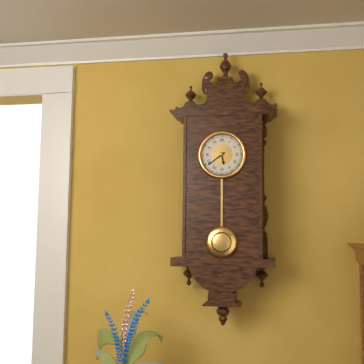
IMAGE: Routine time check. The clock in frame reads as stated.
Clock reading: 5:39
